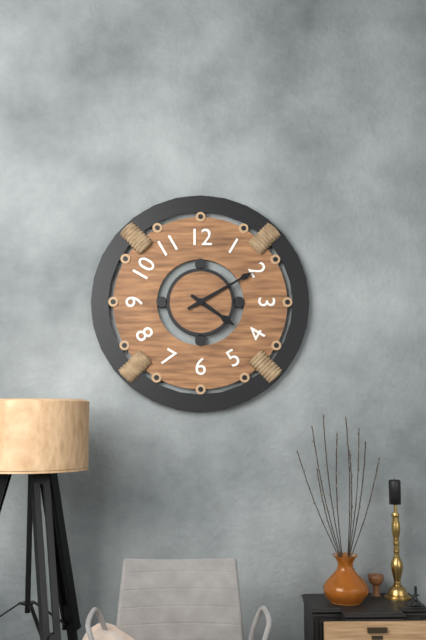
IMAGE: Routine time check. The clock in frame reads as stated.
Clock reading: 4:10
